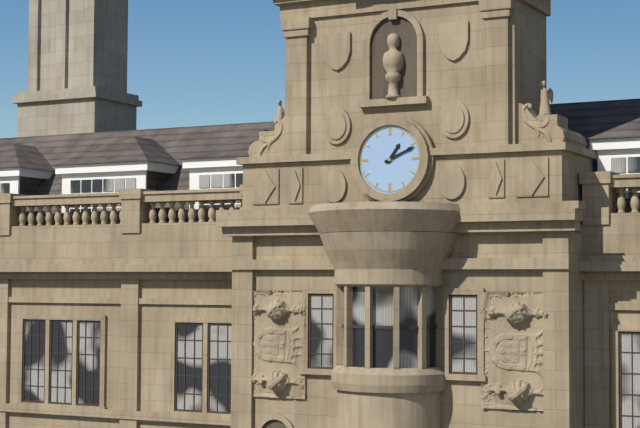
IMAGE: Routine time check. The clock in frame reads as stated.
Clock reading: 1:11
